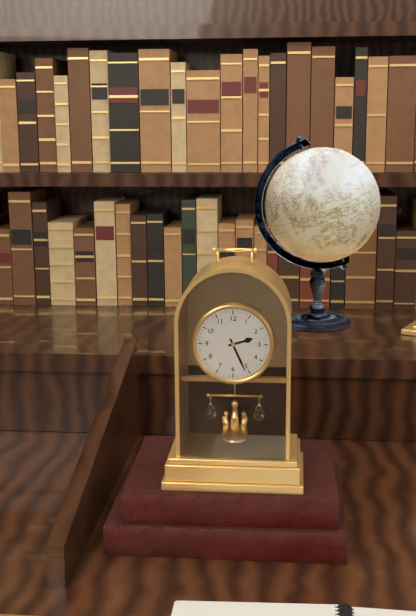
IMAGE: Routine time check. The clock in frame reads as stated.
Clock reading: 2:26
